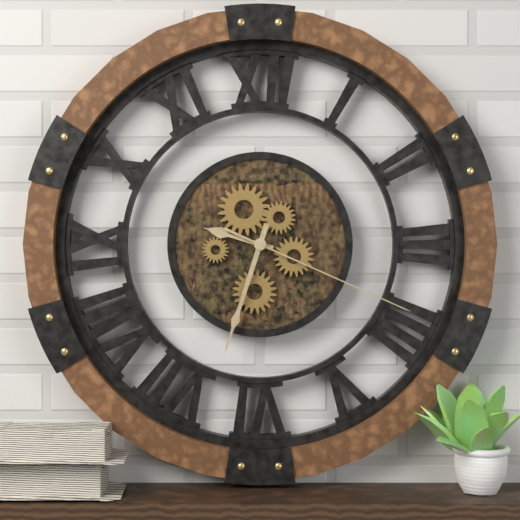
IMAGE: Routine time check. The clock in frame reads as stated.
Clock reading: 9:33:19
